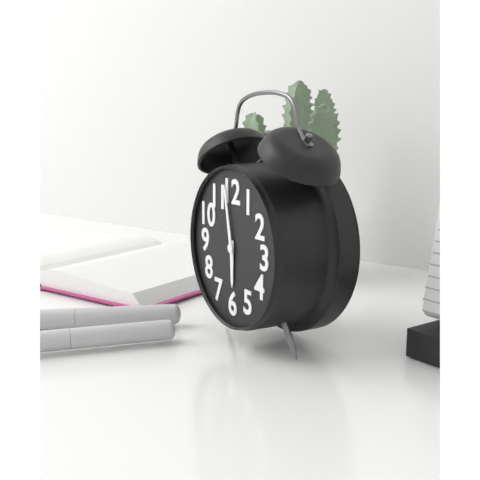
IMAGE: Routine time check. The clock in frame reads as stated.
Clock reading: 5:58
